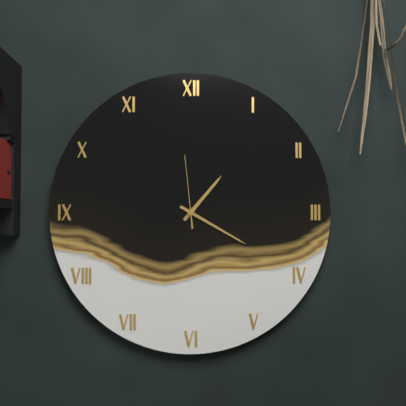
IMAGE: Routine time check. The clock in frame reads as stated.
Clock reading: 1:20:59
